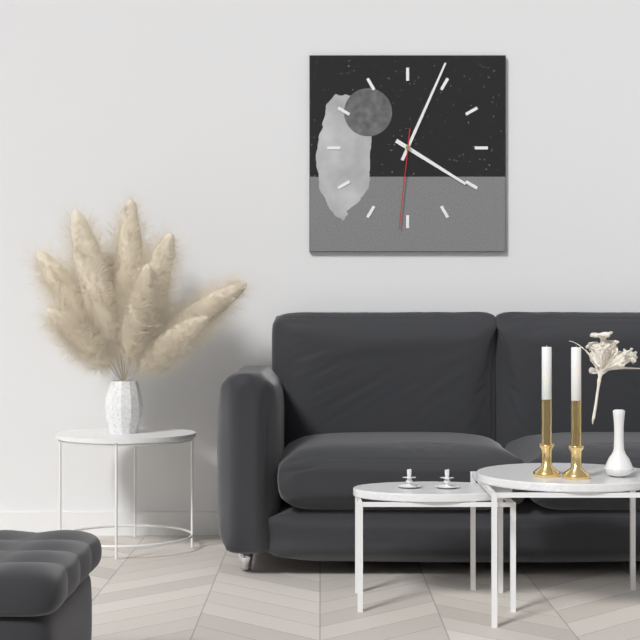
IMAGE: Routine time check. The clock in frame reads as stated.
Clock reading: 4:04:31
